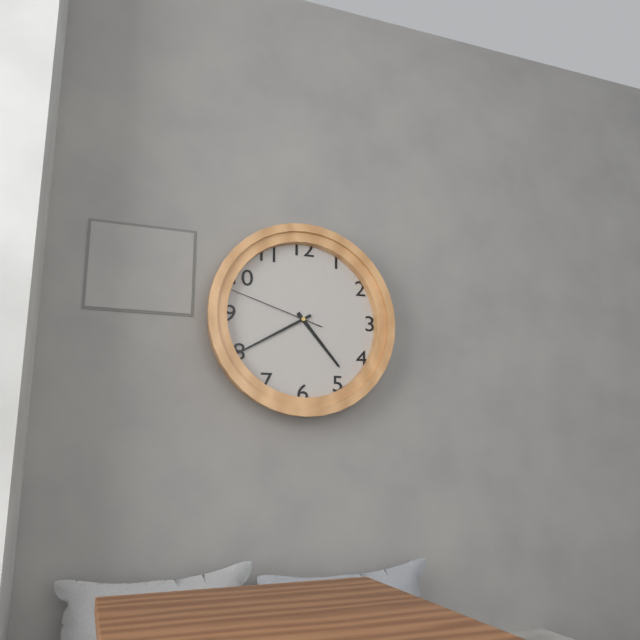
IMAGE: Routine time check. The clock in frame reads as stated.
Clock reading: 4:40:48
